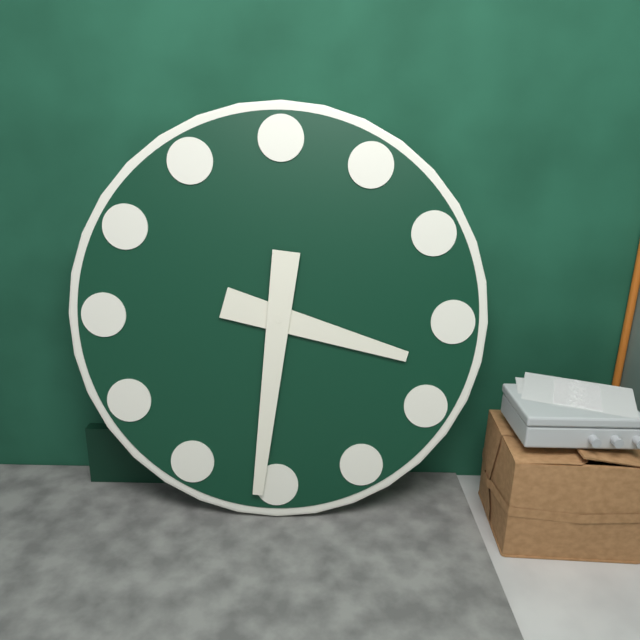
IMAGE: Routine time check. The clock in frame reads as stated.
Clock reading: 3:31
